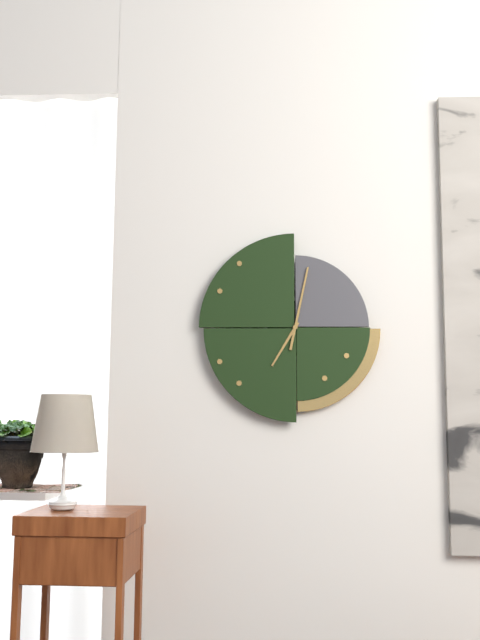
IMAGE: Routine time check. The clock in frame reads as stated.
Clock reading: 7:02
